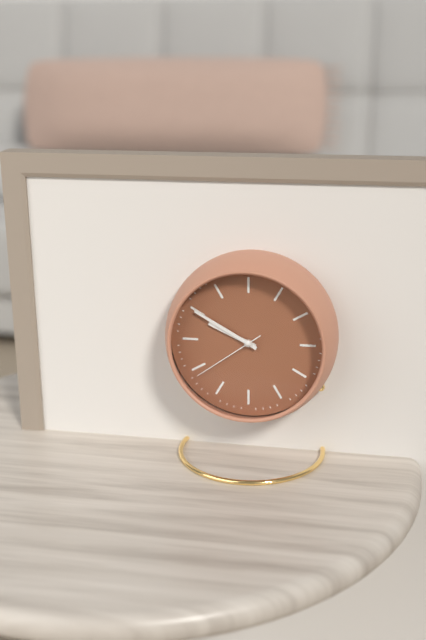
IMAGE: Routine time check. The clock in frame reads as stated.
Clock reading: 9:50:39
